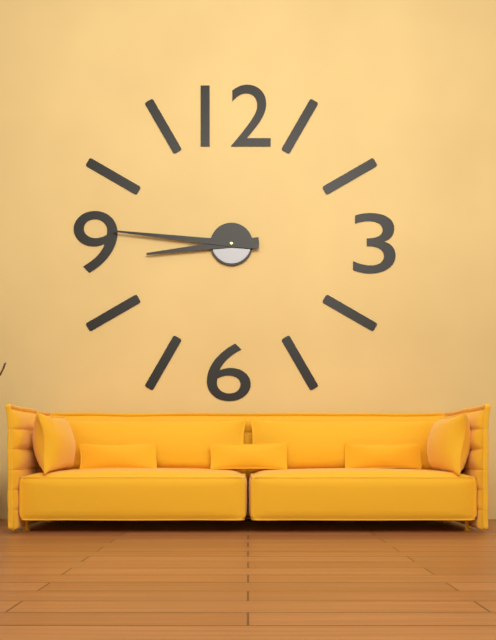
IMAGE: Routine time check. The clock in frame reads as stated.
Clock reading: 8:46
